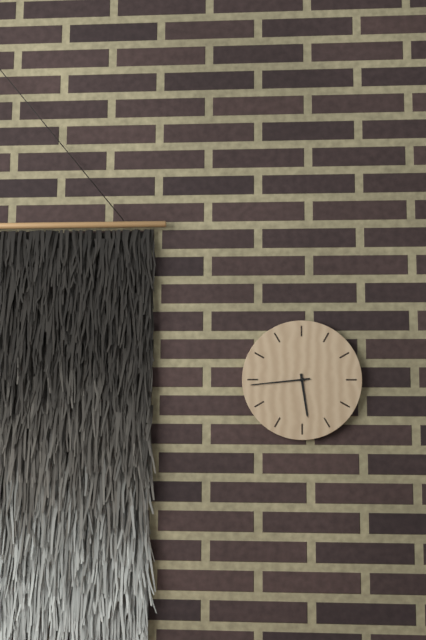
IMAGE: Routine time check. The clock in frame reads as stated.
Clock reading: 5:44
